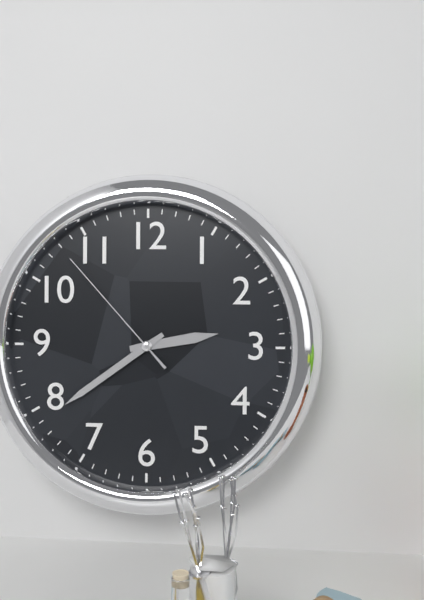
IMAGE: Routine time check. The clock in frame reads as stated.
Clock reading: 2:39:53
